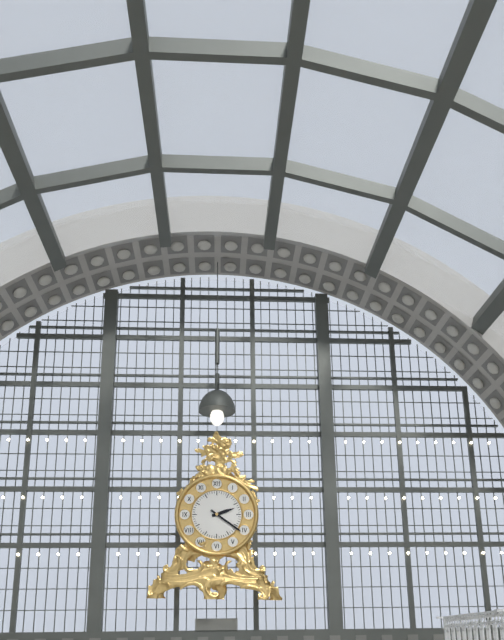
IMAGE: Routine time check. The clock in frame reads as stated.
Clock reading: 2:21
